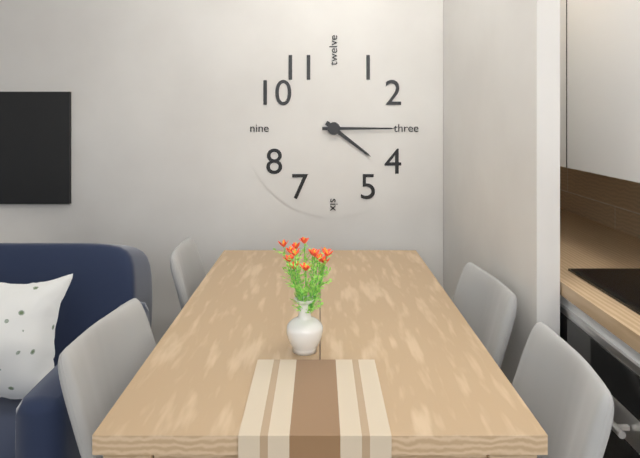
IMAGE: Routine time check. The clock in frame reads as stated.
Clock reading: 4:15
